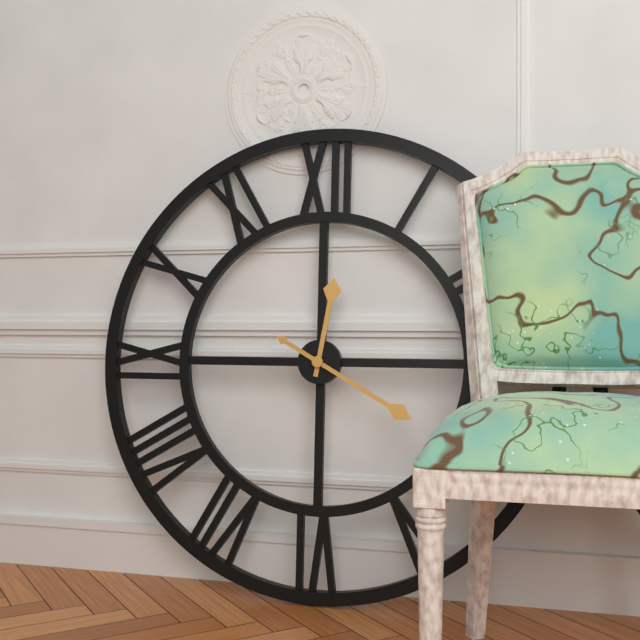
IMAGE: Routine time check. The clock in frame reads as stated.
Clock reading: 12:20
